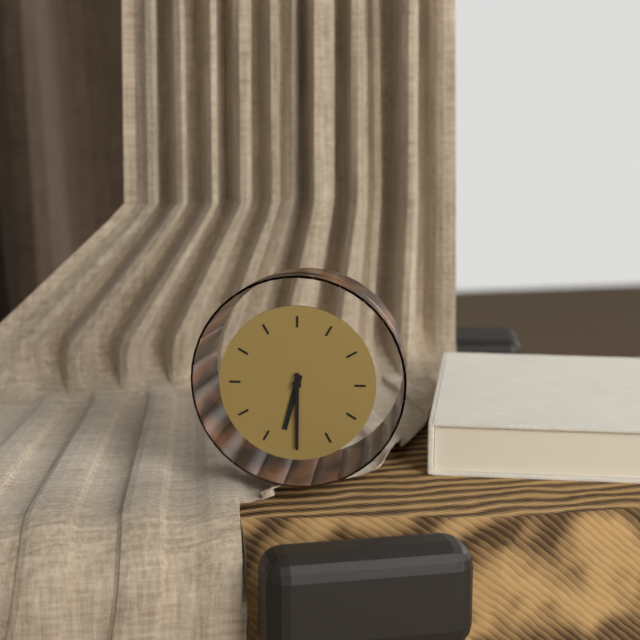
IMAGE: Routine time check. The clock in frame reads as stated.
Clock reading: 6:30
